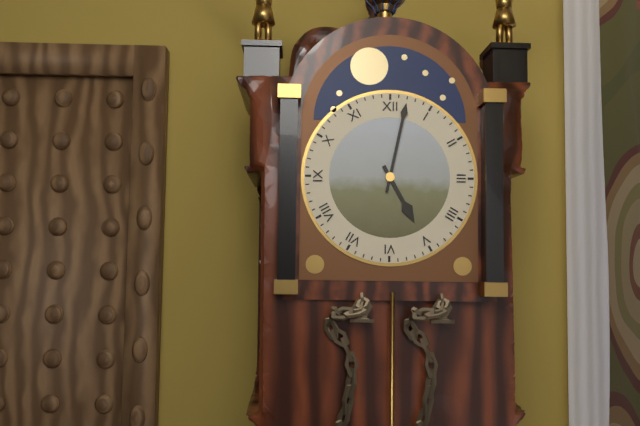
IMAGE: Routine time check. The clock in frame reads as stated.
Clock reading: 5:02
